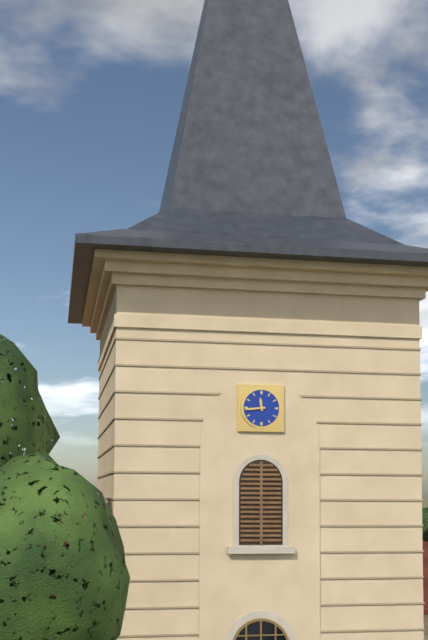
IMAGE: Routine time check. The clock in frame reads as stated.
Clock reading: 11:44
